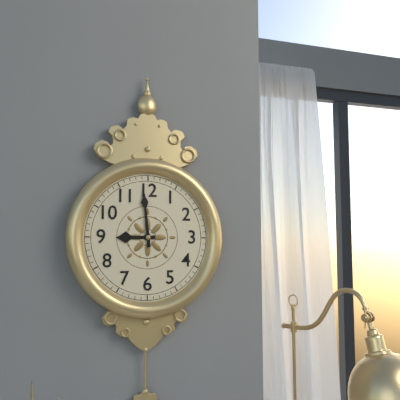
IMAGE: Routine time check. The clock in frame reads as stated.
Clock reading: 8:59
